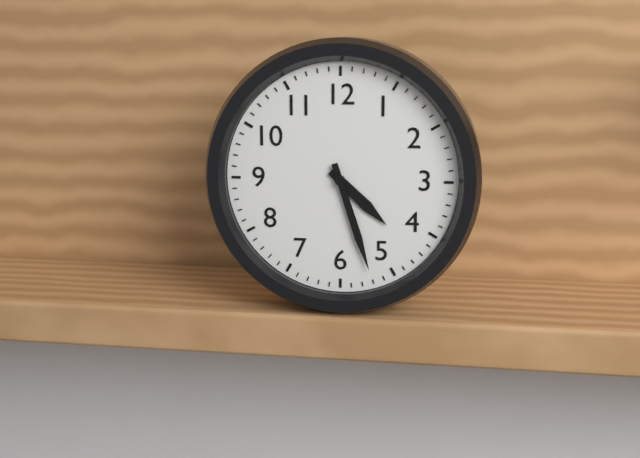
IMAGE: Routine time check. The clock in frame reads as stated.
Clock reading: 4:27
